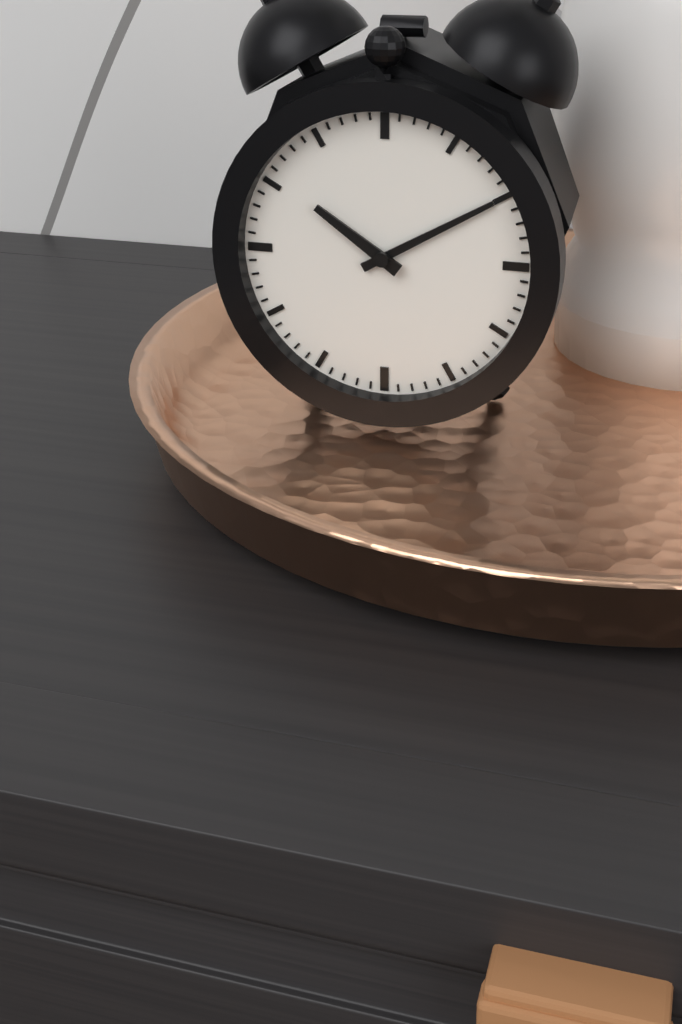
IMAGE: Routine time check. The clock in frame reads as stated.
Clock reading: 10:10
